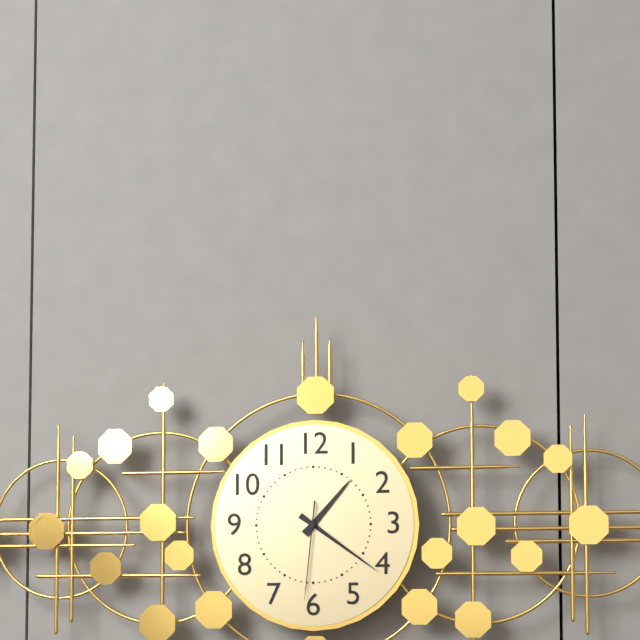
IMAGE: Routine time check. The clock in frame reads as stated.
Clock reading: 1:21:31
